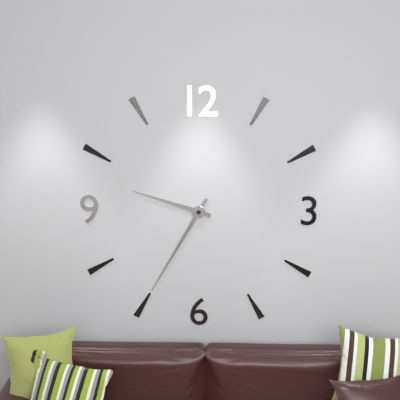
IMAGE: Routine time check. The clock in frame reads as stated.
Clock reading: 9:35
